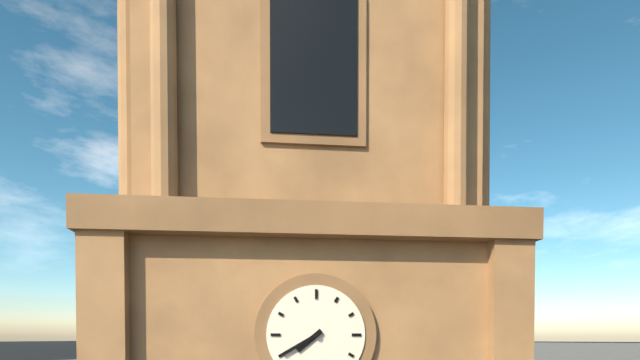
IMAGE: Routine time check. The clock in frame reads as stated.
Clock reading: 7:40
